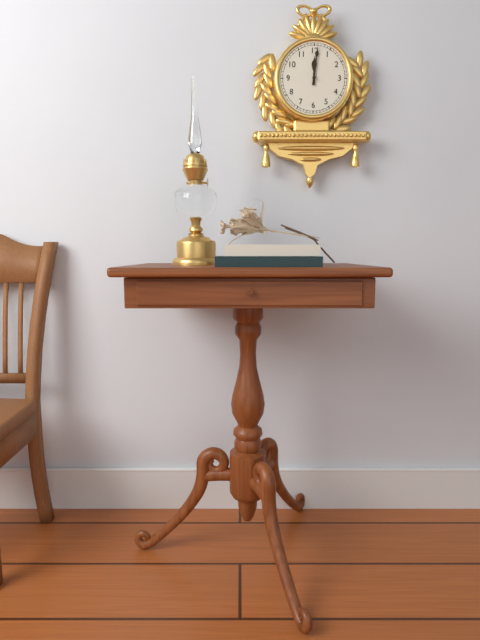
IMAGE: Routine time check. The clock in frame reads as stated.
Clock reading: 12:01
